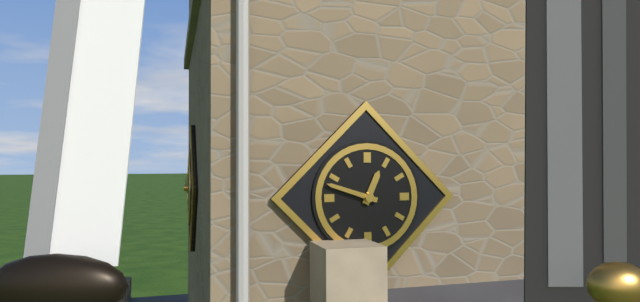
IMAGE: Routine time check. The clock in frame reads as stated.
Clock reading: 12:48
